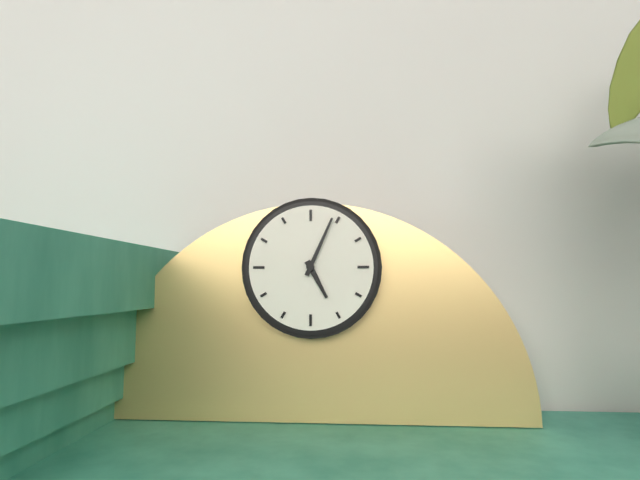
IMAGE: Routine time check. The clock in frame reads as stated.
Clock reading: 5:04
